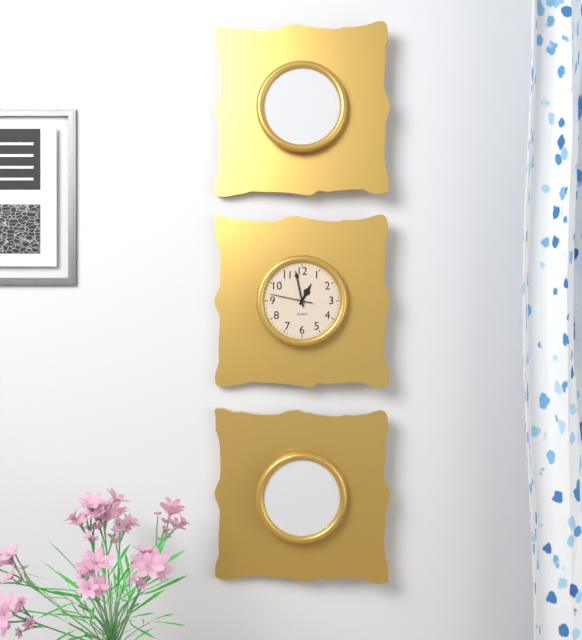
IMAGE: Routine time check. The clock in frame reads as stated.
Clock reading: 12:58
